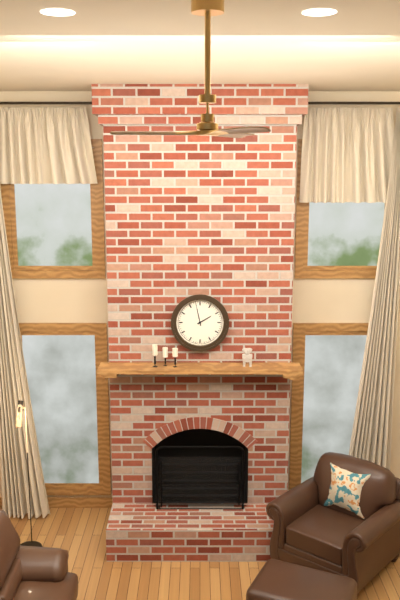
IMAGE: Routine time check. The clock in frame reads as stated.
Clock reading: 1:58
